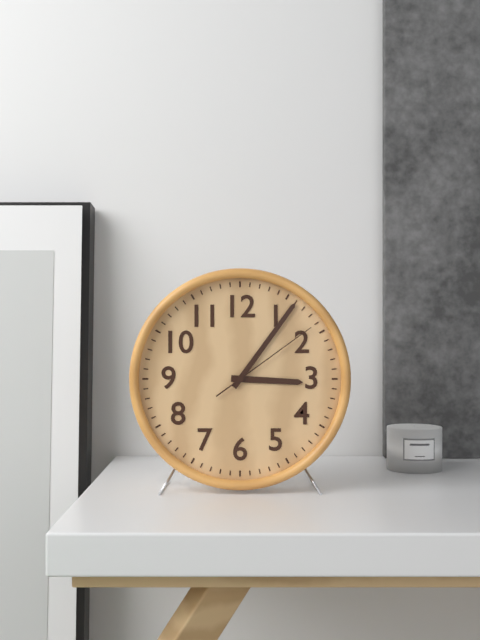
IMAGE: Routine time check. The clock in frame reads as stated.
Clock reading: 3:06:09
